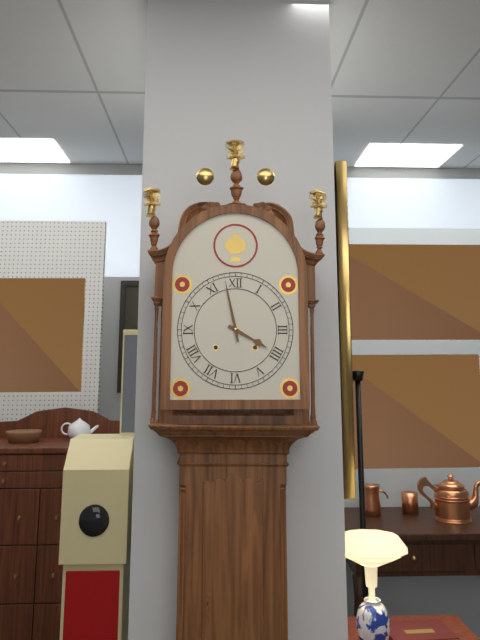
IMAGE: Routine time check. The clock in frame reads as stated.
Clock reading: 3:58
